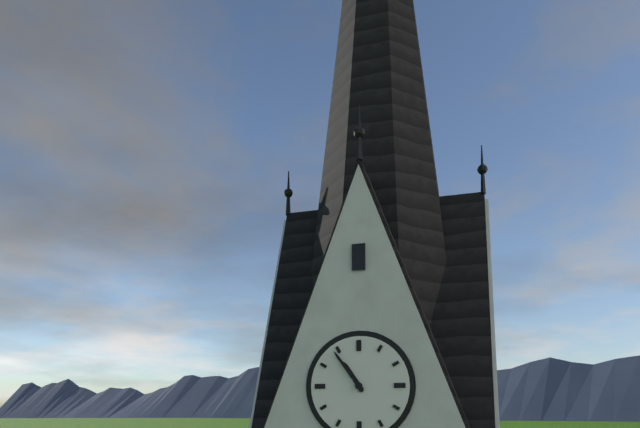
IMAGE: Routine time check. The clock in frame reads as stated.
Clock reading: 10:54
